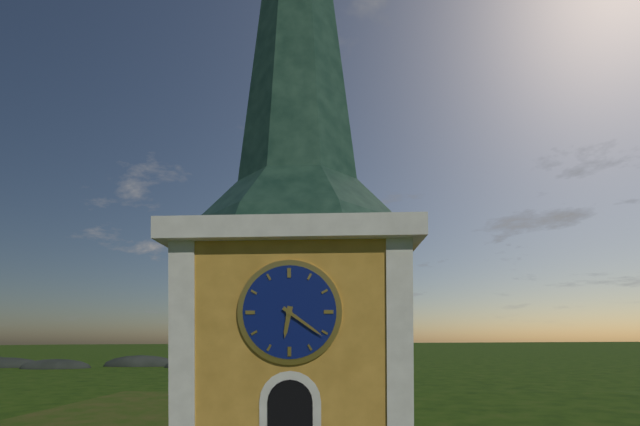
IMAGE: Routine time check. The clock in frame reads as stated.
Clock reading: 6:21
